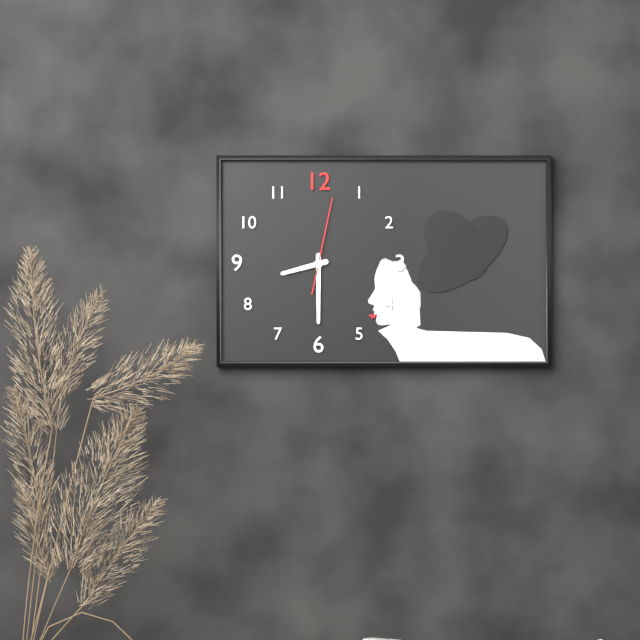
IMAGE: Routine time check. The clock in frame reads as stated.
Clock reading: 8:30:02
